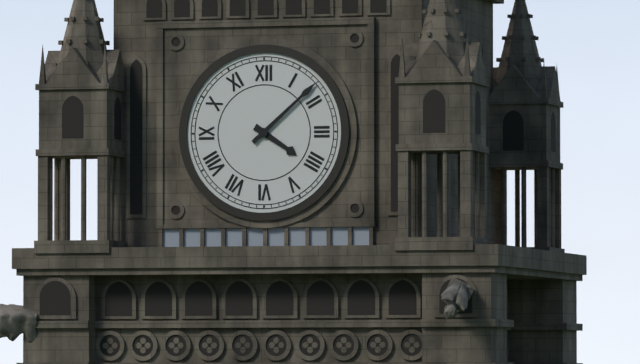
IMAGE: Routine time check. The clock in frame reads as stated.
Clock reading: 4:08
